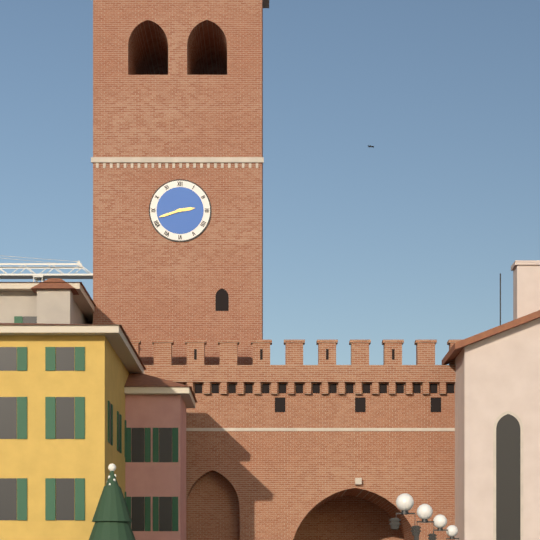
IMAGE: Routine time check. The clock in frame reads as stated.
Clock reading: 2:42
